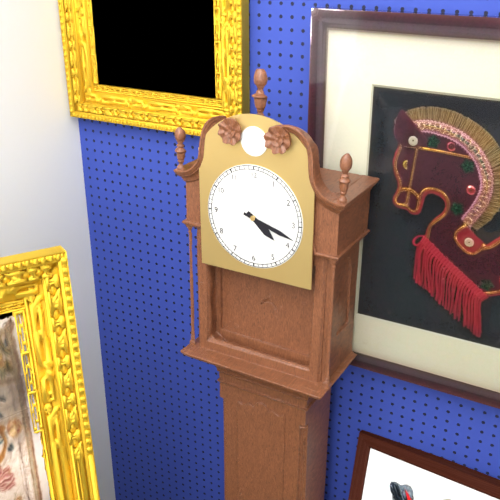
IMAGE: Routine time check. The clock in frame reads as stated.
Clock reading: 4:18
